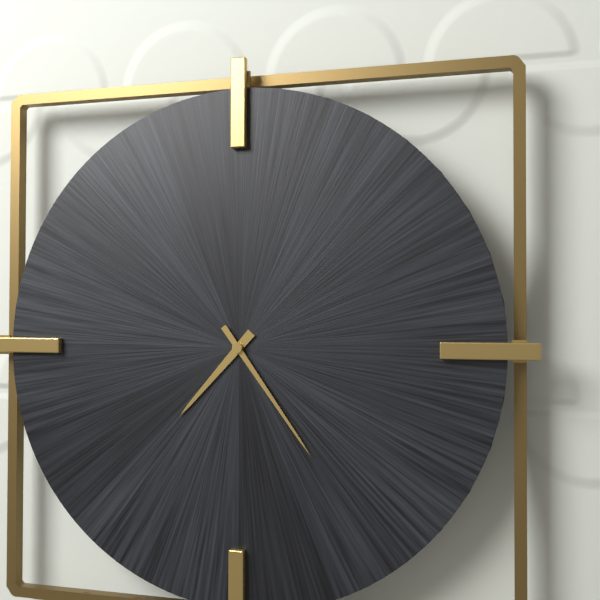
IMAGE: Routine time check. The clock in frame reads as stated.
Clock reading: 7:24
